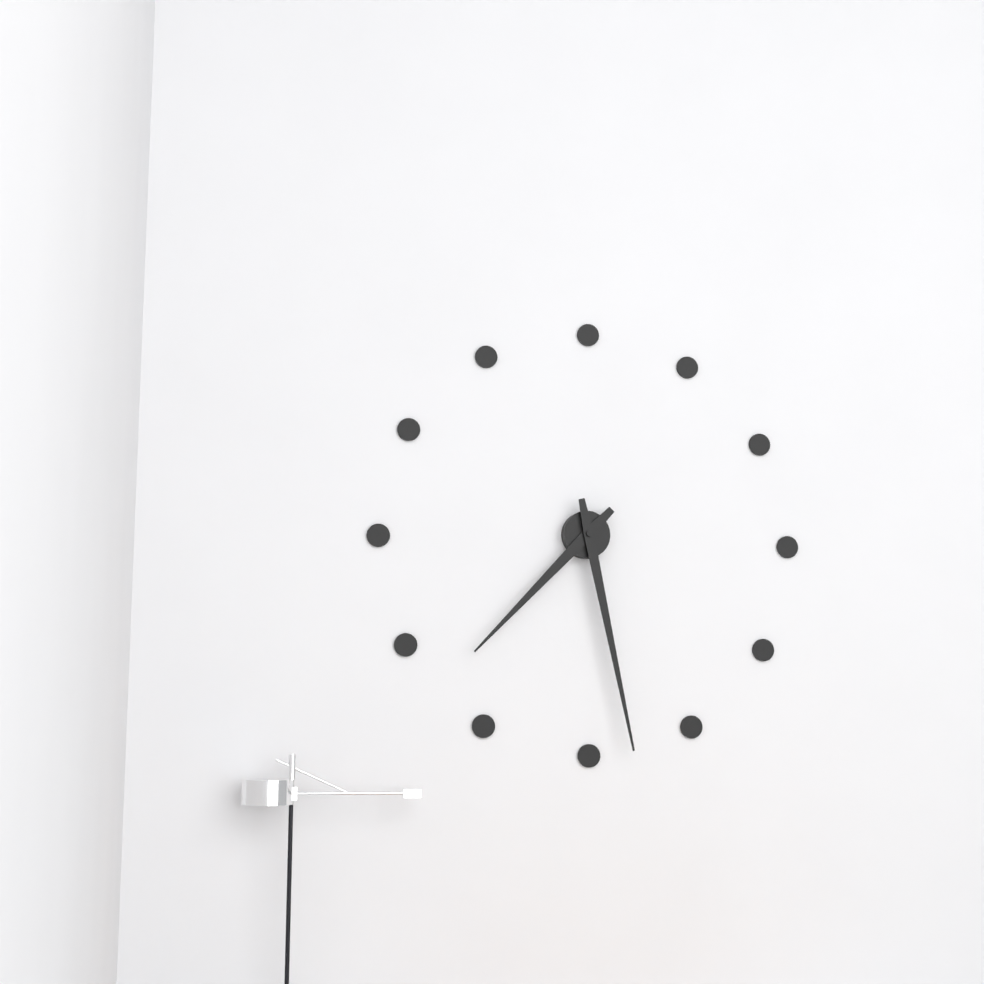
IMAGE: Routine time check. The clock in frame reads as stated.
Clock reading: 7:28
